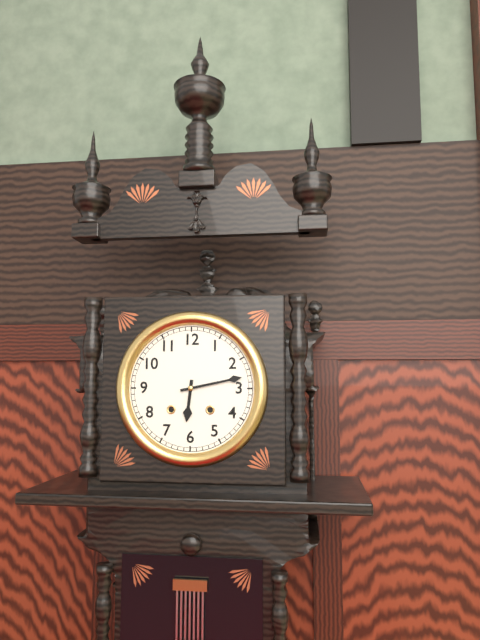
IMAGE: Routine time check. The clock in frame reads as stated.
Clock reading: 6:13
